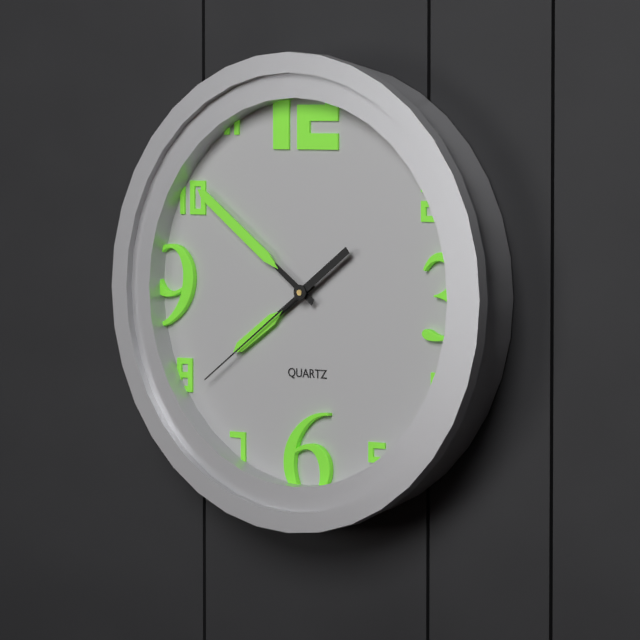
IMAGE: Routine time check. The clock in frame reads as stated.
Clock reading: 7:51:39
